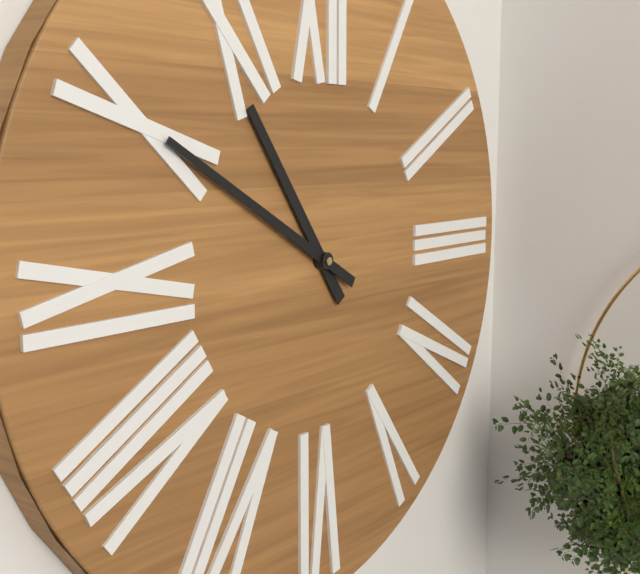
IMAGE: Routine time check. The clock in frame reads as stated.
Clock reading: 10:50
